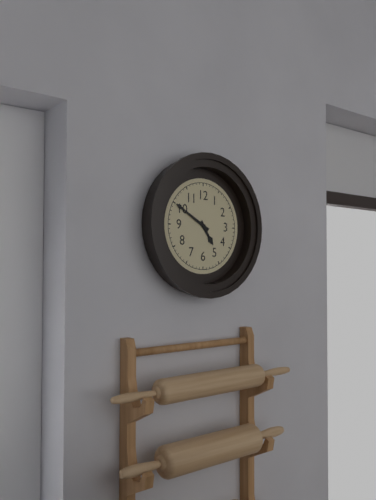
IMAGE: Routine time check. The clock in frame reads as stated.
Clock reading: 4:50
